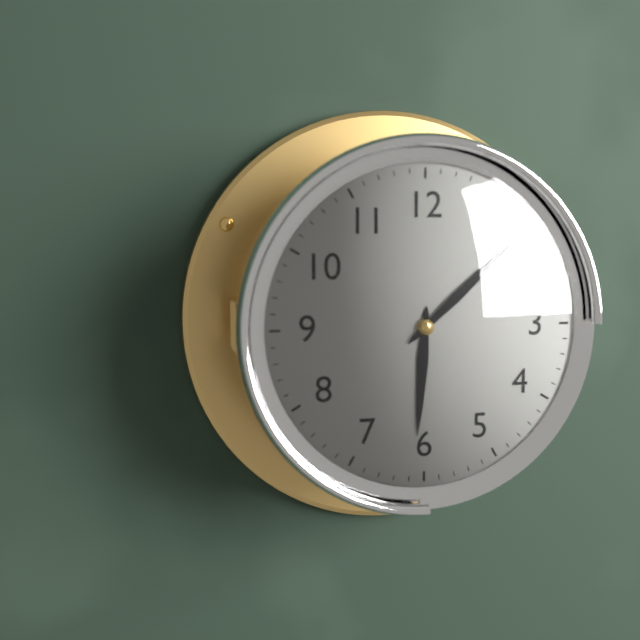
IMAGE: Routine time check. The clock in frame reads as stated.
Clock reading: 6:08
